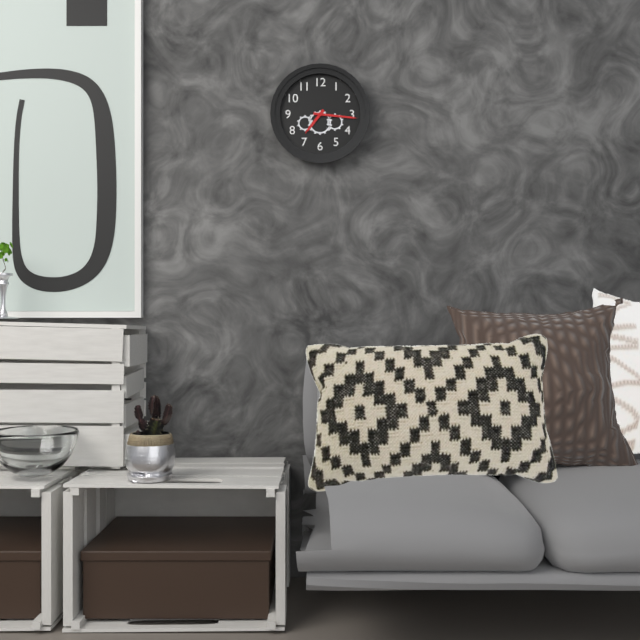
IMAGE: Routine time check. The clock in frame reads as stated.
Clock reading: 7:16
